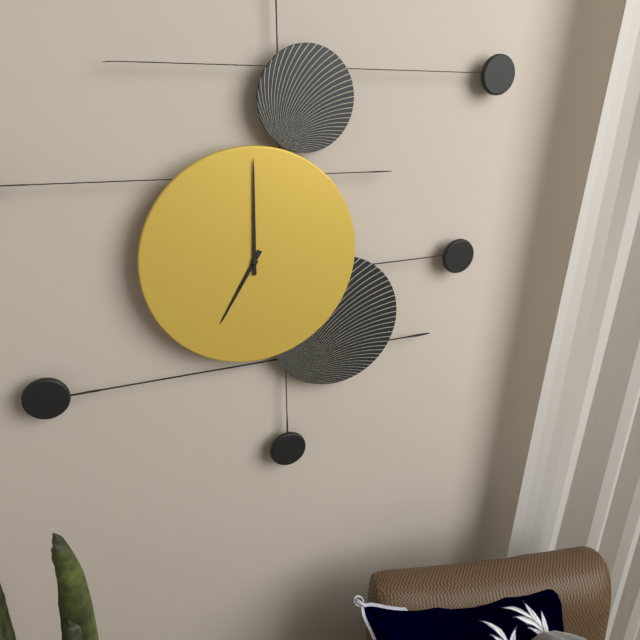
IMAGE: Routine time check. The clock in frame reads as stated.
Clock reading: 7:00
